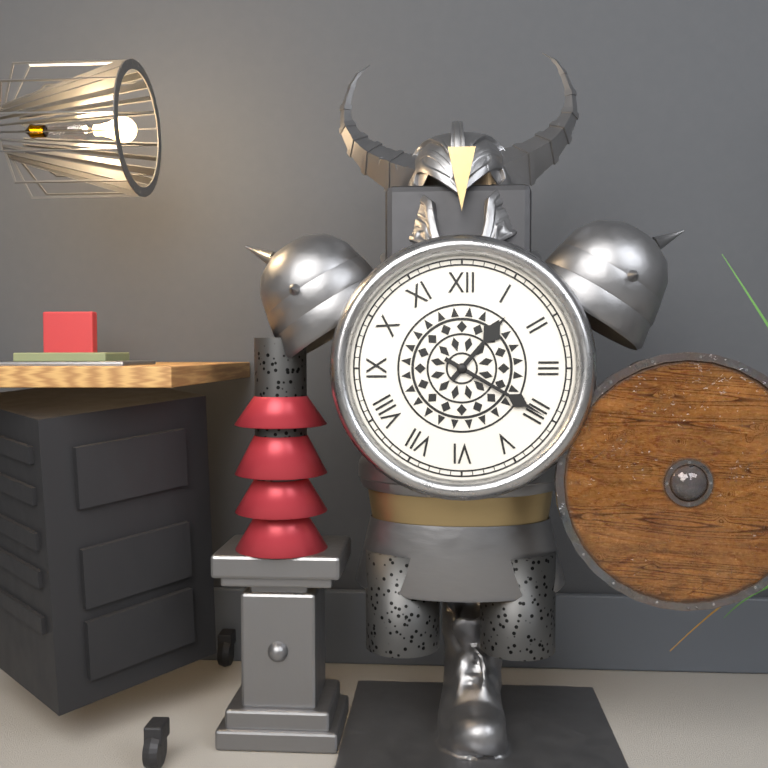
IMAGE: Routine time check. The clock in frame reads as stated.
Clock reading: 1:20
